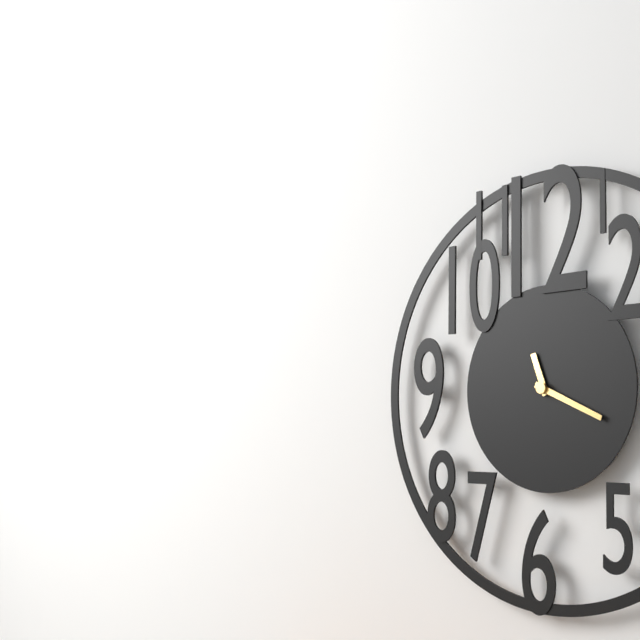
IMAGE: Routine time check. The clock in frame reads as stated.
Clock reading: 11:19
